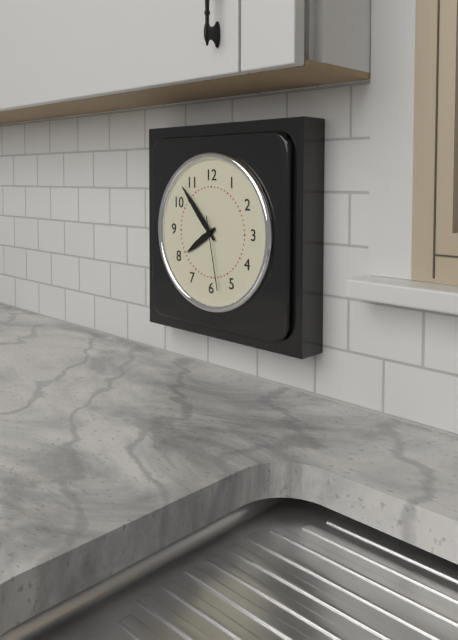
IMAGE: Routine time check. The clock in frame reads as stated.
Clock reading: 7:53:28
